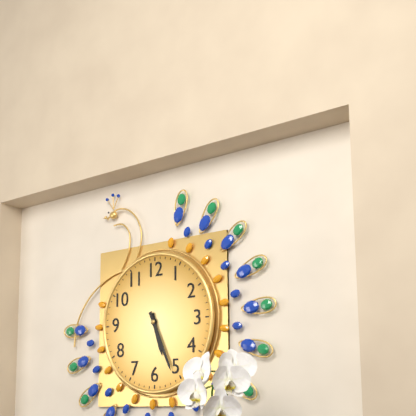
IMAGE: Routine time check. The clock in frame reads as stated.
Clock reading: 5:26
